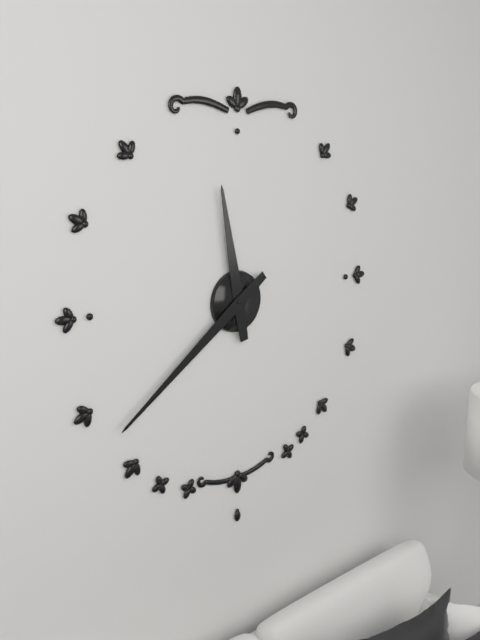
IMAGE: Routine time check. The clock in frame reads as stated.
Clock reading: 11:39
